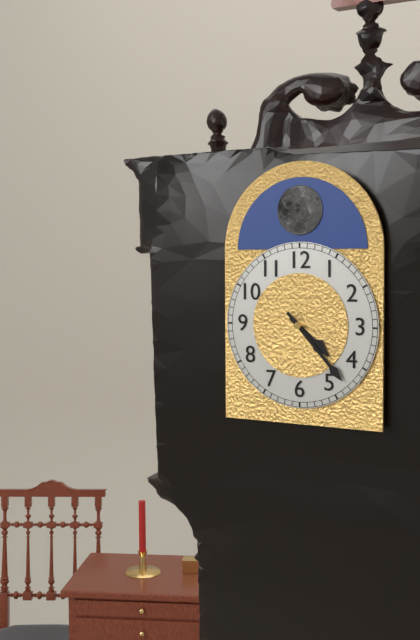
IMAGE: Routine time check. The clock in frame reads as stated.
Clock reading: 4:23
